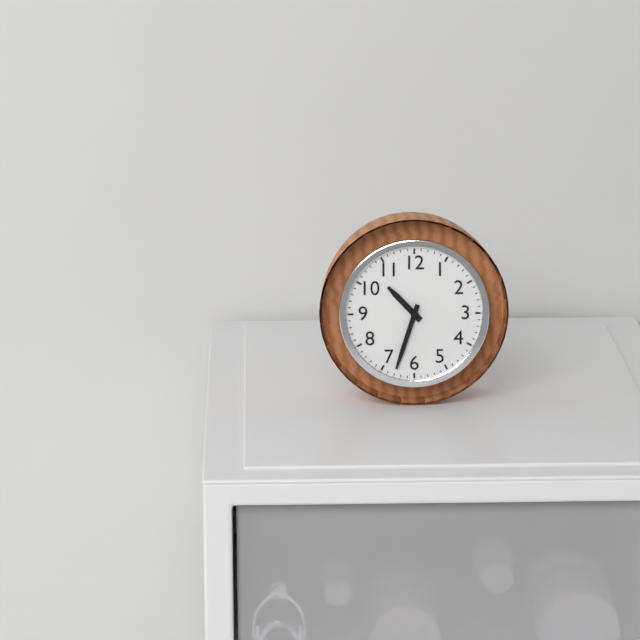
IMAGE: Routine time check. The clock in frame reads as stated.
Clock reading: 10:33
